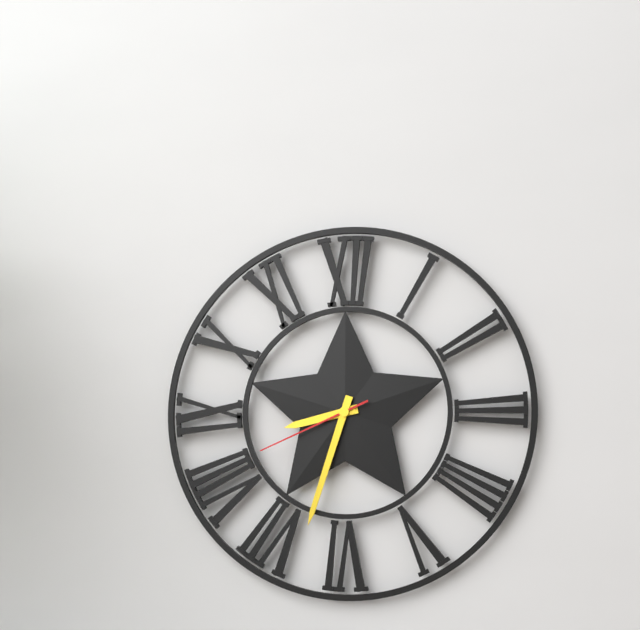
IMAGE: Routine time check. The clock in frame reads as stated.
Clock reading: 8:33:41
